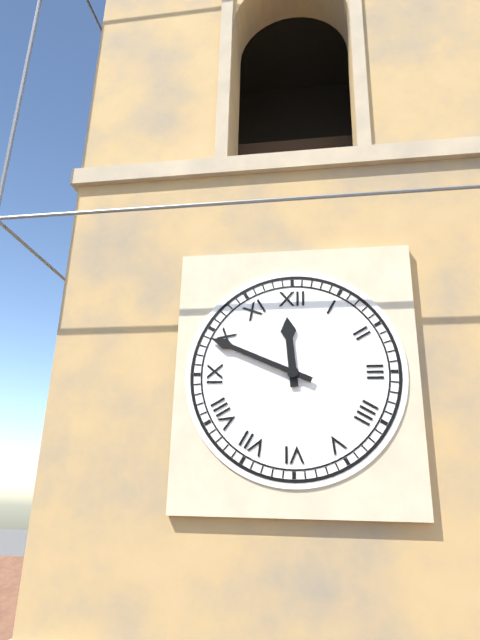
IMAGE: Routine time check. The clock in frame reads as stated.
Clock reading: 11:49
